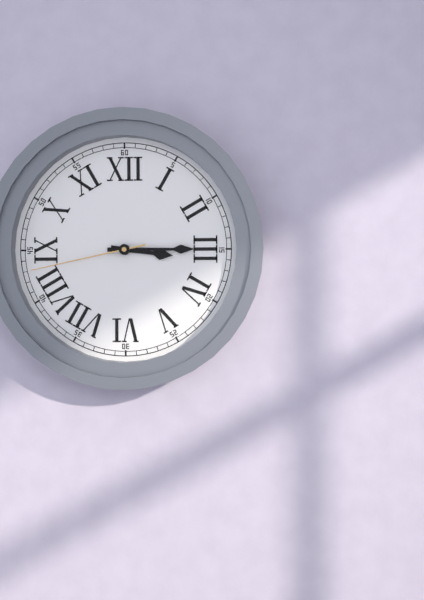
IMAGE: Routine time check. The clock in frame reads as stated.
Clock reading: 3:15:43
